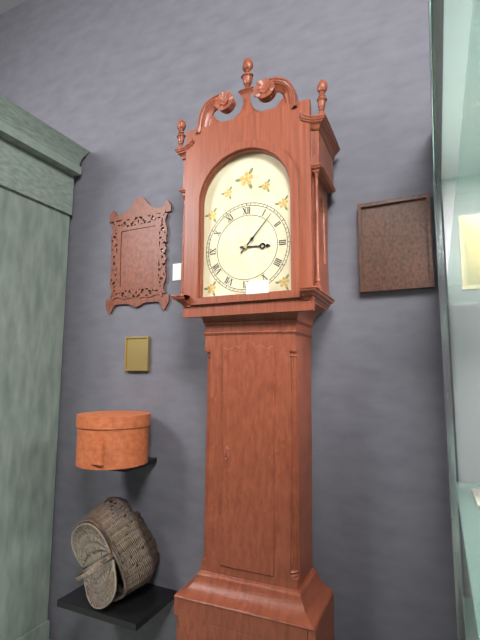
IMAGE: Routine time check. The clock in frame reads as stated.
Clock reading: 3:07
